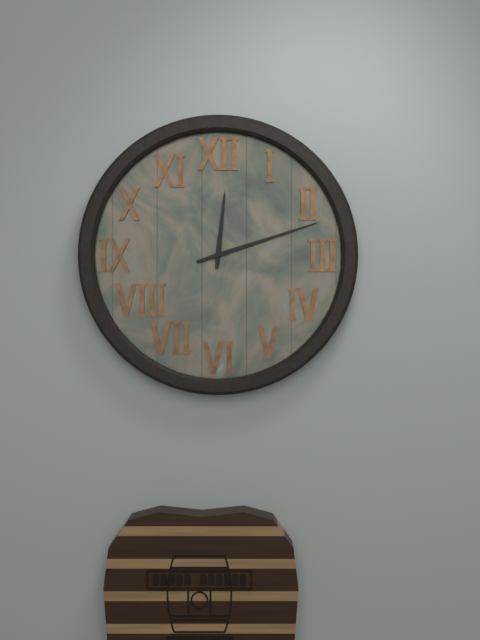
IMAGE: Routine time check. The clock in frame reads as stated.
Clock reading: 12:12
